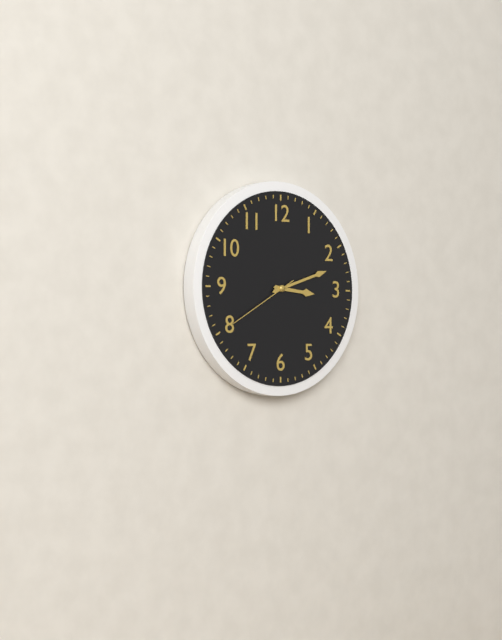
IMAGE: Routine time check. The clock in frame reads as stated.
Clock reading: 3:12:40
